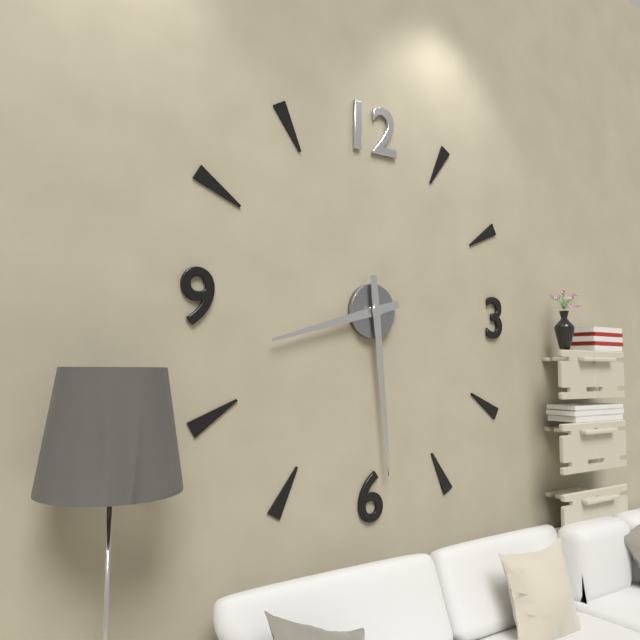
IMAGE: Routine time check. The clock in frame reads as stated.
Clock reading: 8:29
